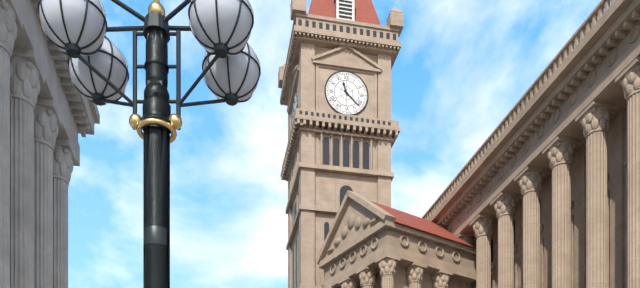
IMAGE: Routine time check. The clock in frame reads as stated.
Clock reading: 11:22
